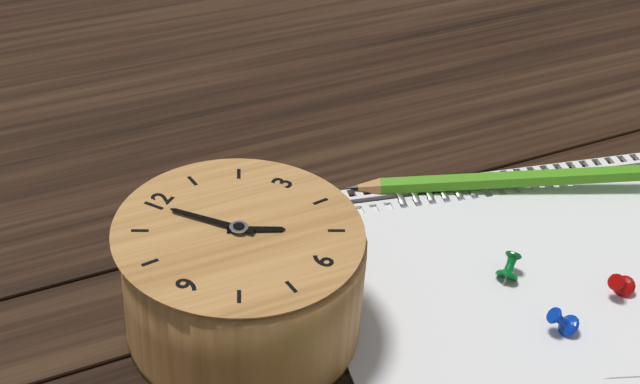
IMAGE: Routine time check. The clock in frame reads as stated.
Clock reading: 4:59
